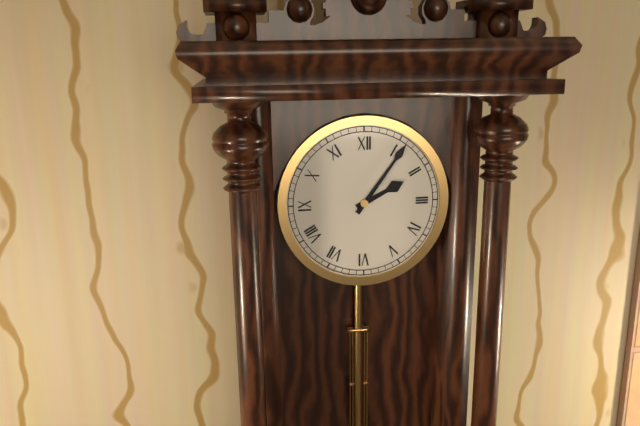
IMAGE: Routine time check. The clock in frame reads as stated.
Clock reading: 2:06
